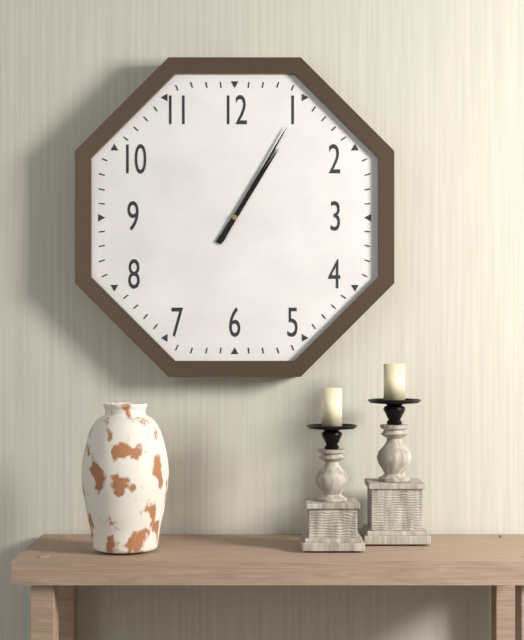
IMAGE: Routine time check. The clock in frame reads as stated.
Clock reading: 1:05
